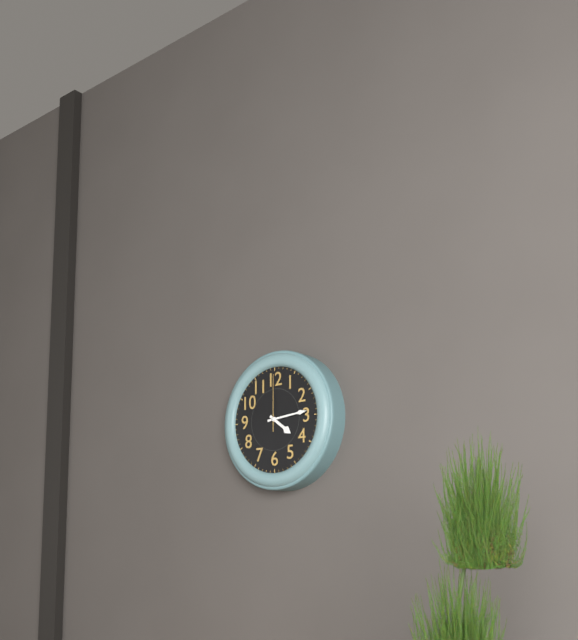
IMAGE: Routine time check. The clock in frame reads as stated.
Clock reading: 4:14:00
